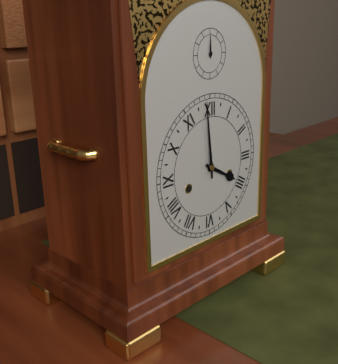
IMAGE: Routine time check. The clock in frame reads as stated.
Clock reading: 3:59
